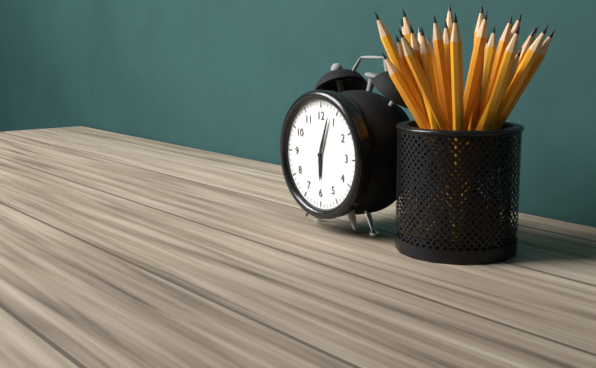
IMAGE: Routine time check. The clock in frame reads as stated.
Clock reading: 6:03
